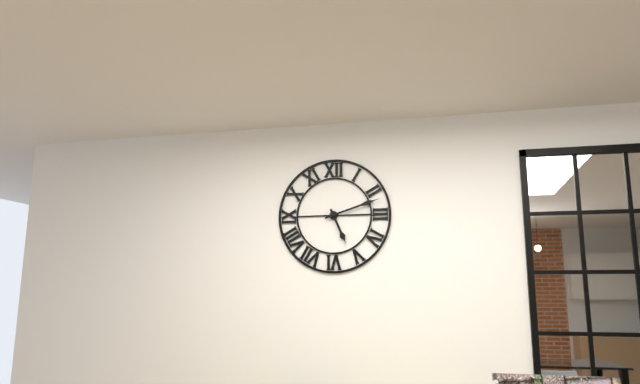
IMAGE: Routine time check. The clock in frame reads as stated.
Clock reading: 5:12
